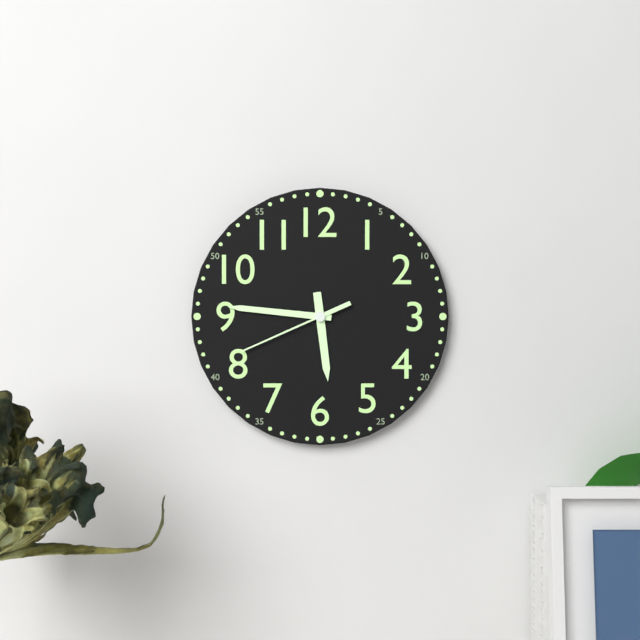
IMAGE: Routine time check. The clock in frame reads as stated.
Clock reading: 5:46:41
